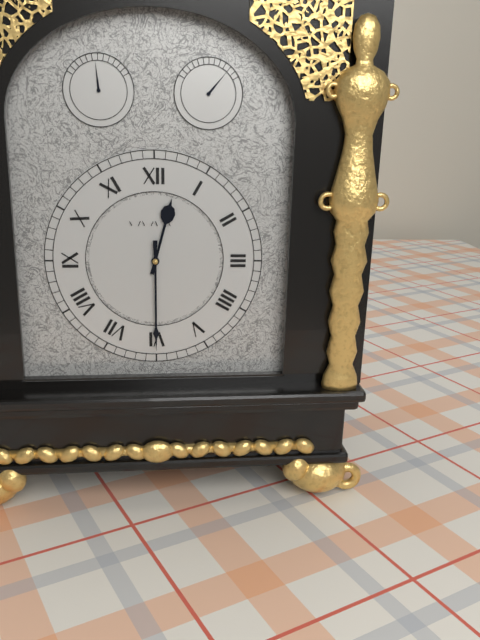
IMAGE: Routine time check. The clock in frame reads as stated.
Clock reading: 12:30
